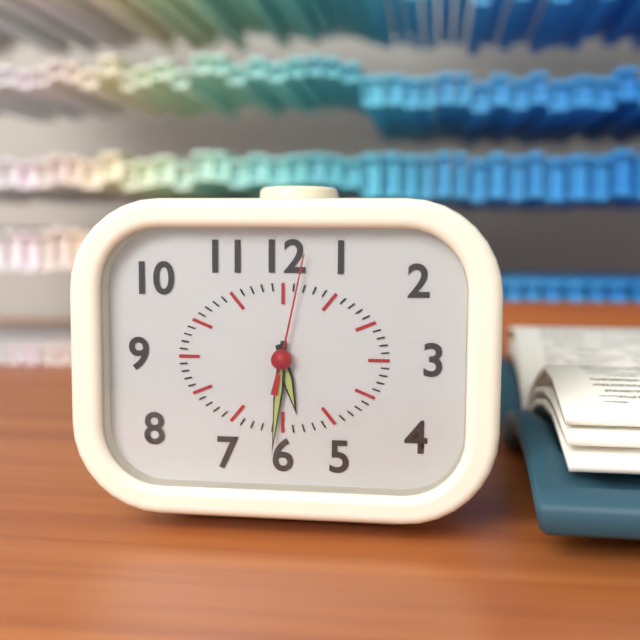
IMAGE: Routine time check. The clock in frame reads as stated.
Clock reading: 5:31:02
